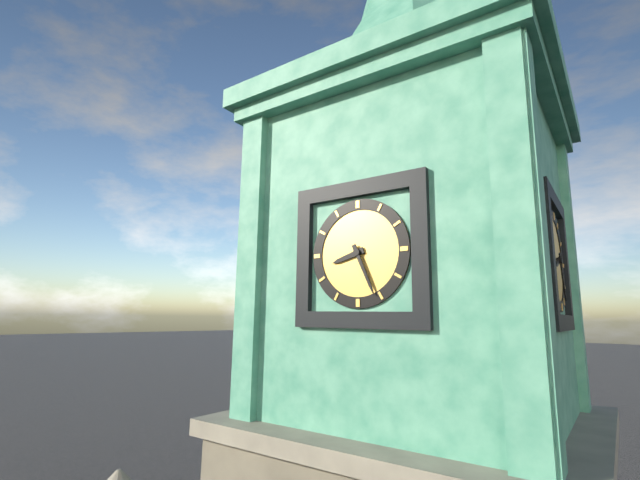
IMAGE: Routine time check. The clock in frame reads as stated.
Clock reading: 8:26
